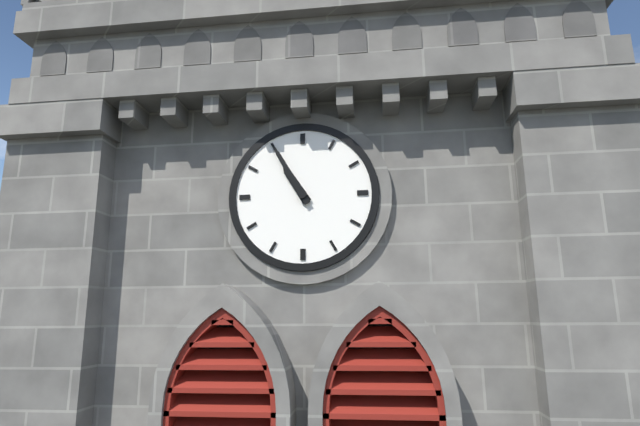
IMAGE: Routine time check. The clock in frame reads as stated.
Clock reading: 10:55
